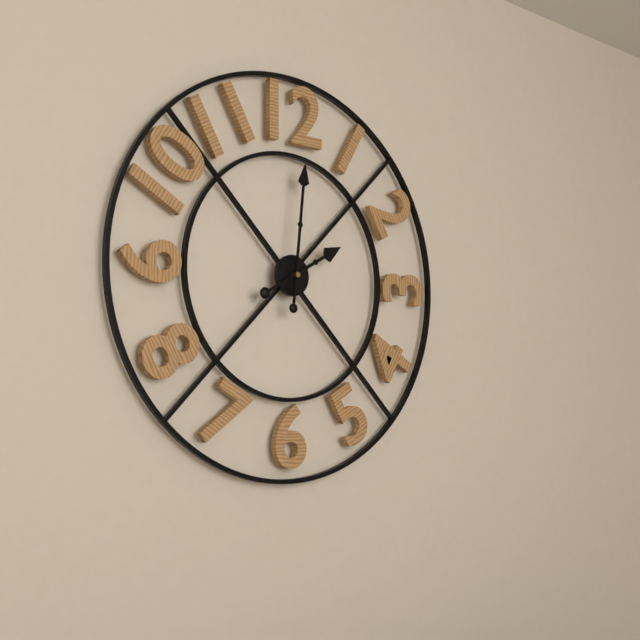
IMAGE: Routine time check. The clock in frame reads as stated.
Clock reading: 2:01
